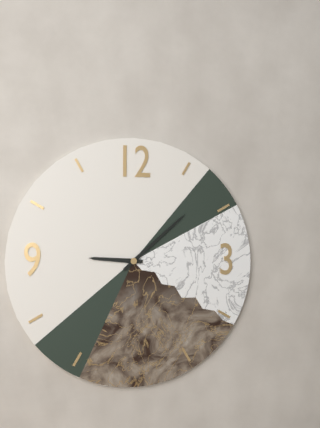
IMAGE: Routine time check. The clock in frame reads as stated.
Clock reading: 9:08
